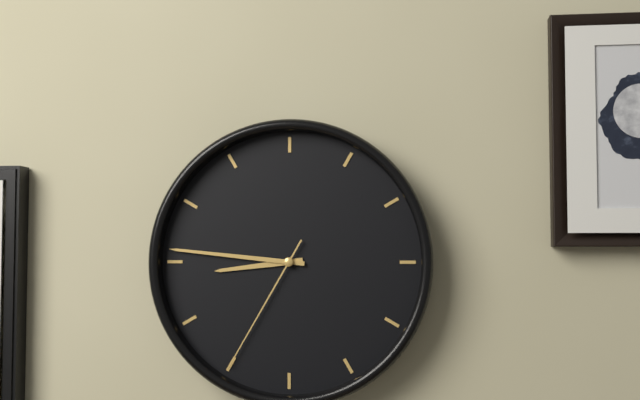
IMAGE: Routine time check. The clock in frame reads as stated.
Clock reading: 8:46:35
